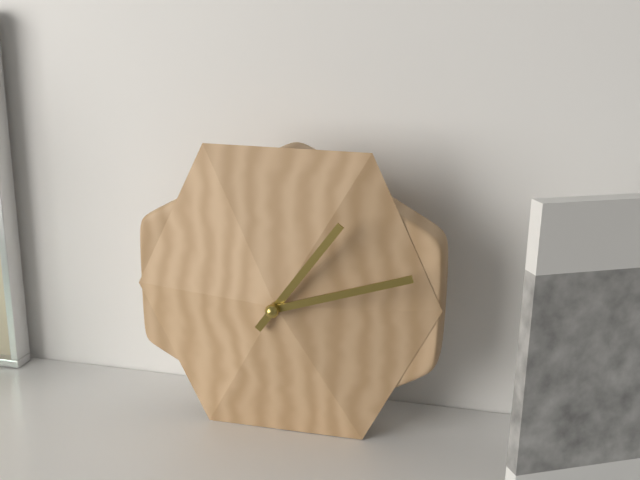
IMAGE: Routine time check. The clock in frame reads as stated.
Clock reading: 1:12
